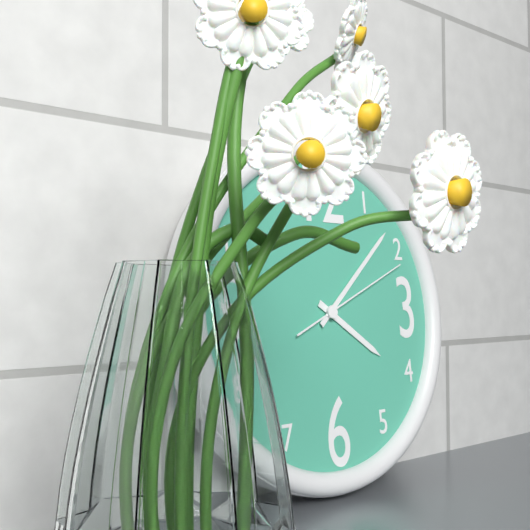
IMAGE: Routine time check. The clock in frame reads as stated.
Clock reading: 4:08:11
